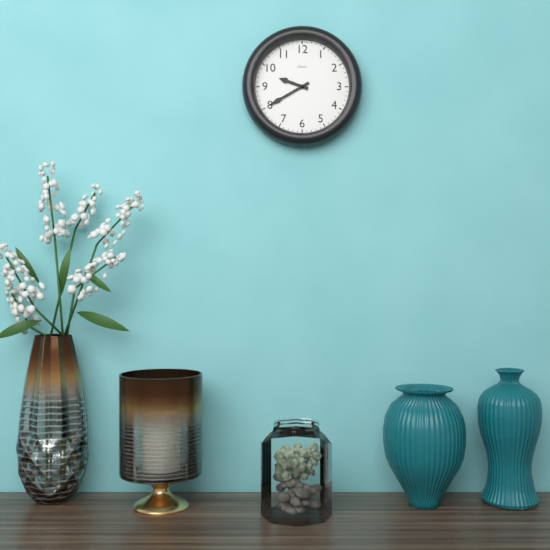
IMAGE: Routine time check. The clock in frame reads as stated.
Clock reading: 9:40
